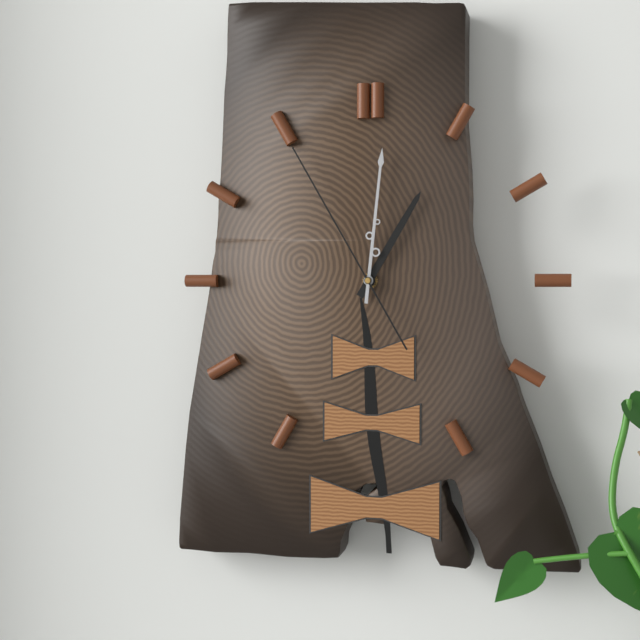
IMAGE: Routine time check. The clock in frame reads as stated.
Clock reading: 1:01:55
